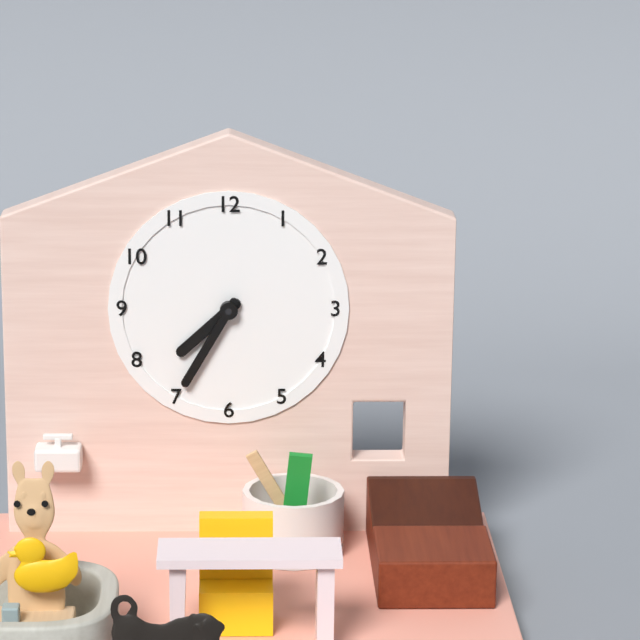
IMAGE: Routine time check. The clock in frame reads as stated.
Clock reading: 7:35
